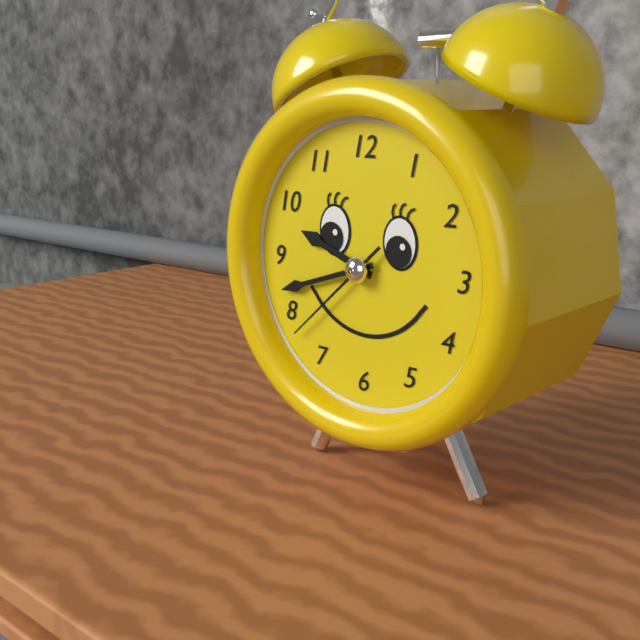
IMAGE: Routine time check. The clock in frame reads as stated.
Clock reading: 9:42:38
